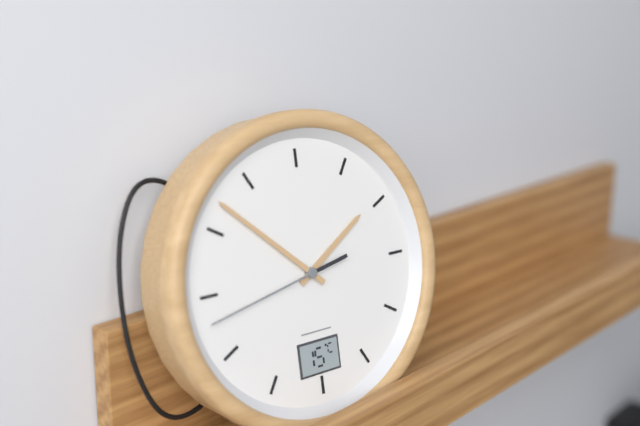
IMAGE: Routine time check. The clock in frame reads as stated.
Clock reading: 1:52:43
